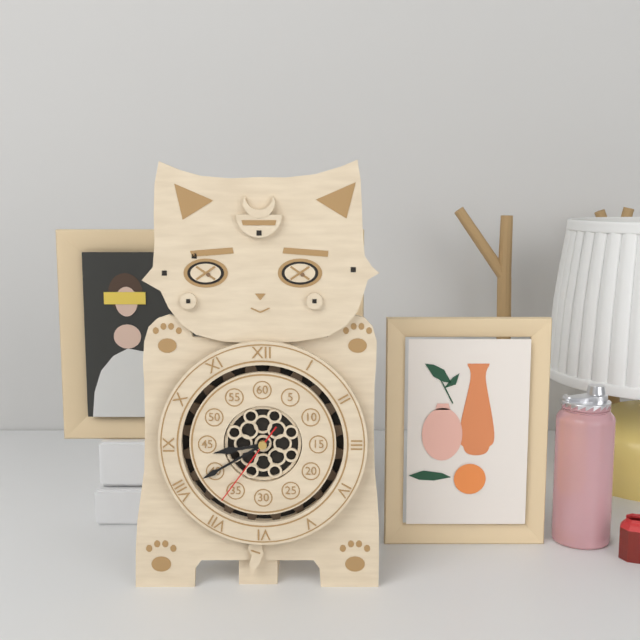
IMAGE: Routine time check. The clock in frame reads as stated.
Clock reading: 8:40:36
